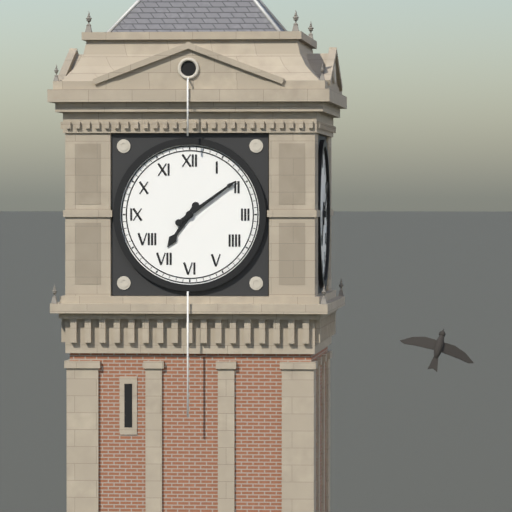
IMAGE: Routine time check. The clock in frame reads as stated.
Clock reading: 7:09
